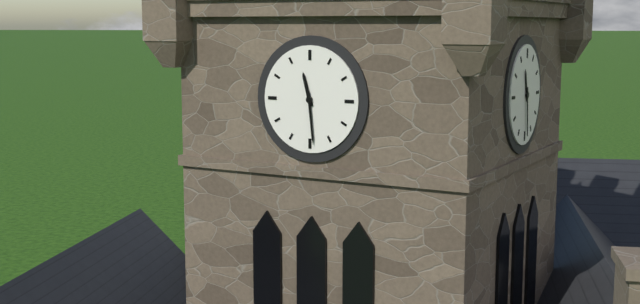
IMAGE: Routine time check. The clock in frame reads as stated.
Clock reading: 11:29
